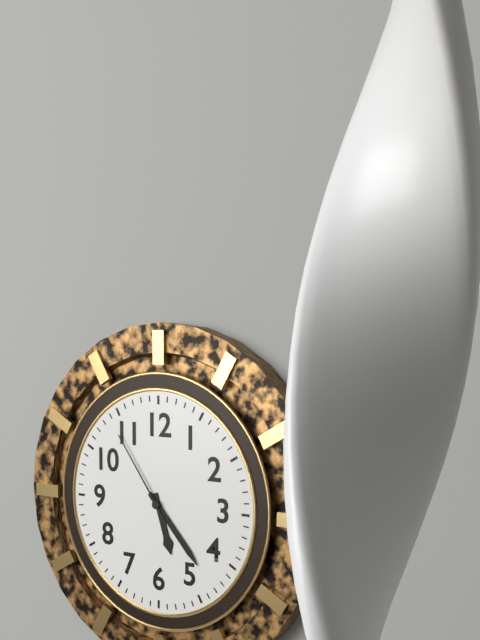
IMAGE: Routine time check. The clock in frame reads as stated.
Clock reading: 5:23:54
